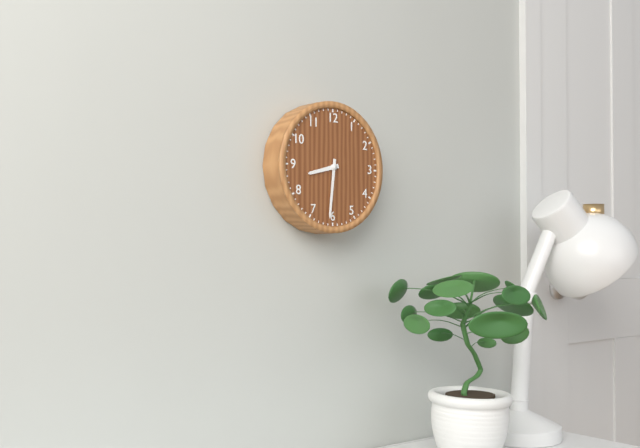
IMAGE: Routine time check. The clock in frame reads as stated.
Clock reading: 8:31
